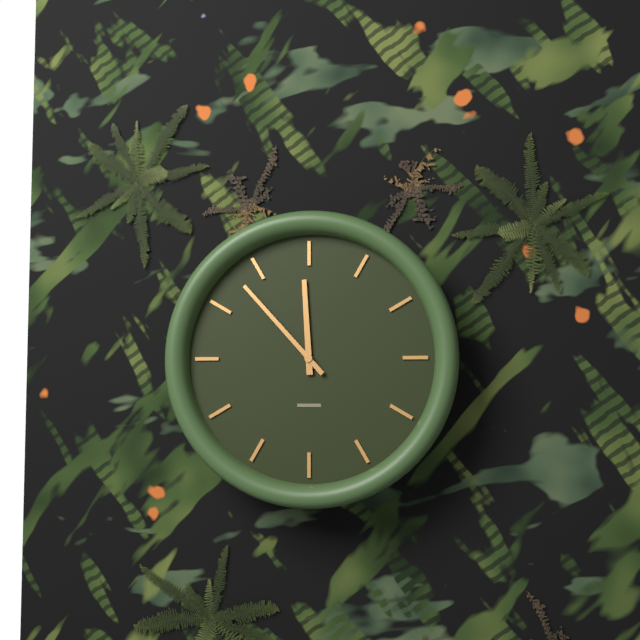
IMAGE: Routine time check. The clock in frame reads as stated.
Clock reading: 11:53
